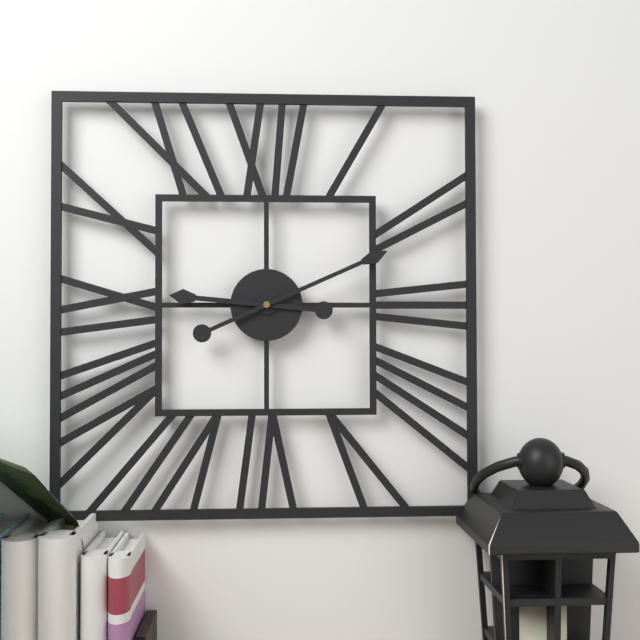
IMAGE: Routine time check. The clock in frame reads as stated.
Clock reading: 9:11
